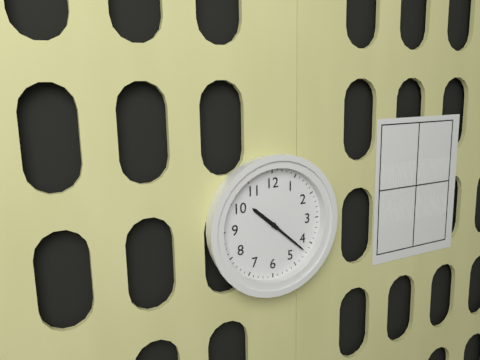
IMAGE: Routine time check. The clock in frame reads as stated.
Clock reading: 10:22
